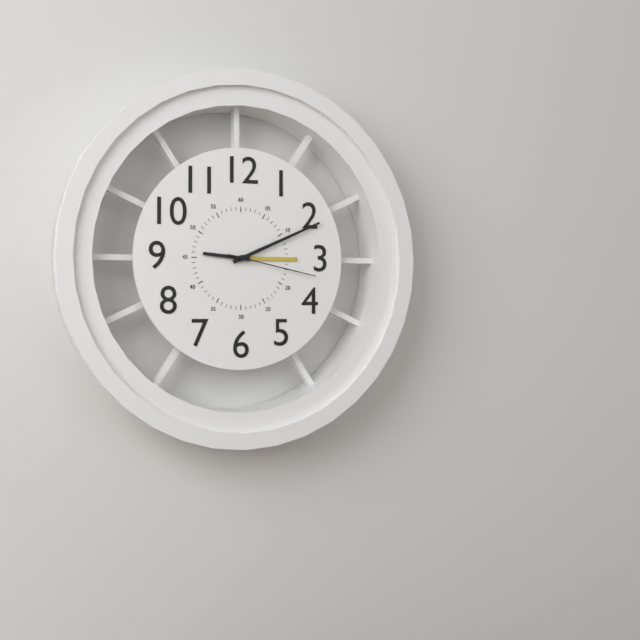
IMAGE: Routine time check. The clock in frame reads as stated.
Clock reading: 9:11:17
